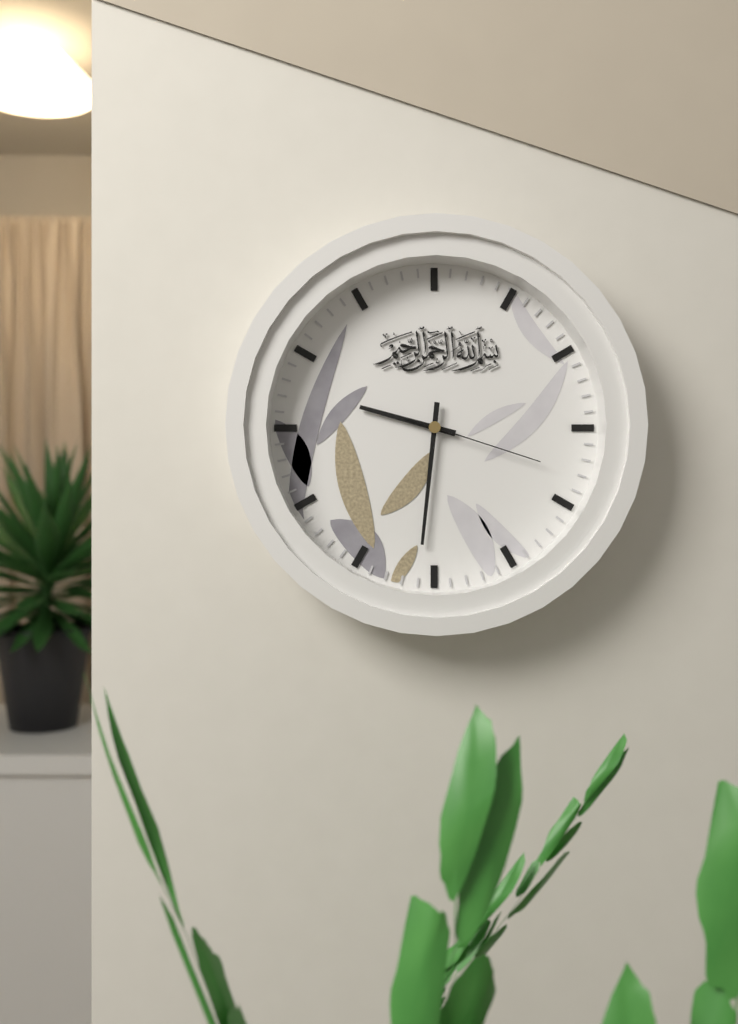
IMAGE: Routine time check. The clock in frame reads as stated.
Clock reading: 9:31:18
